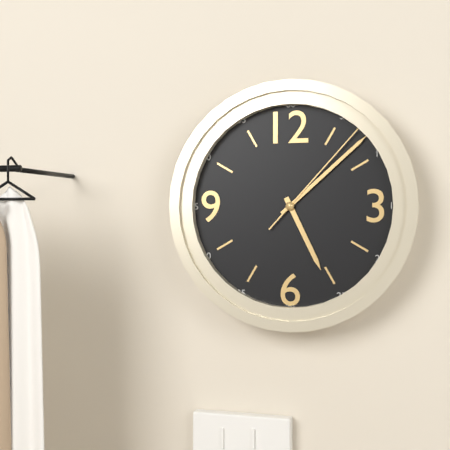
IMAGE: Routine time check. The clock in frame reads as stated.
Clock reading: 5:08:07
